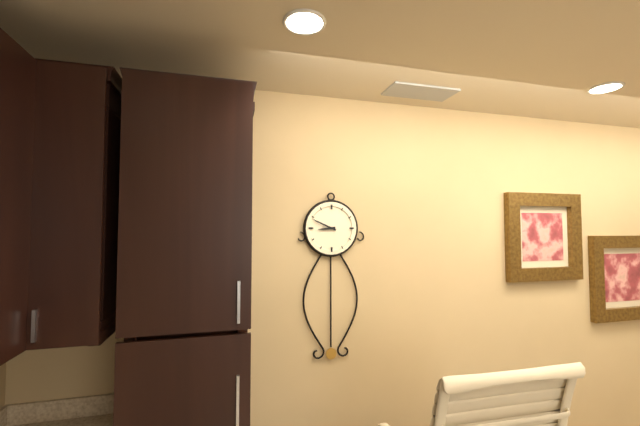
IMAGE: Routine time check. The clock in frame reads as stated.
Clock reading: 8:49
